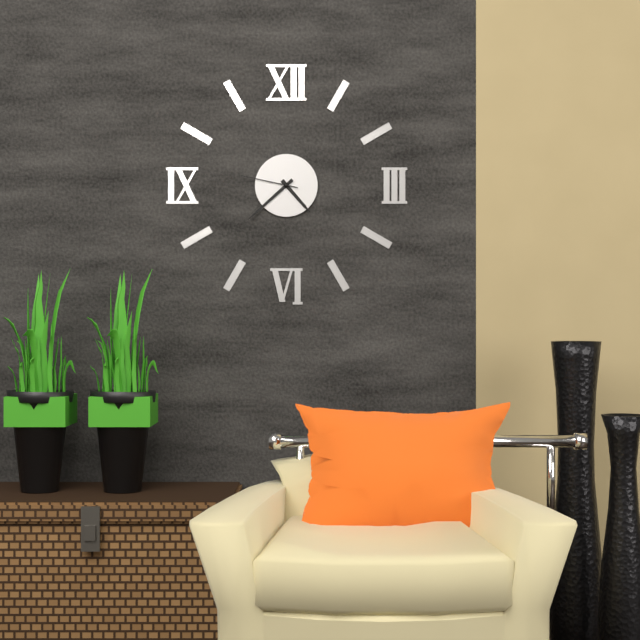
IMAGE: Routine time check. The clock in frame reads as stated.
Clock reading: 4:38:47
